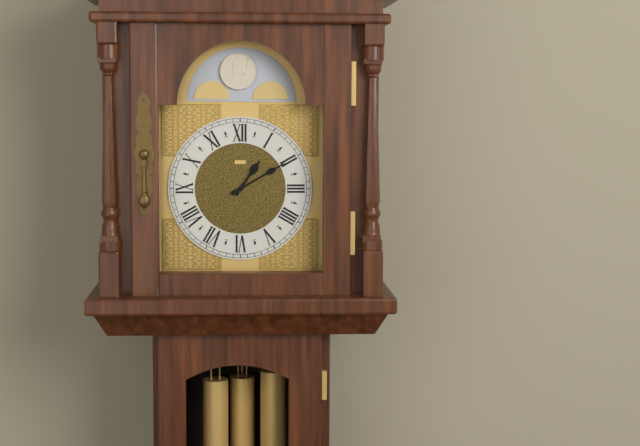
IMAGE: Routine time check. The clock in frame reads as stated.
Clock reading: 1:10
